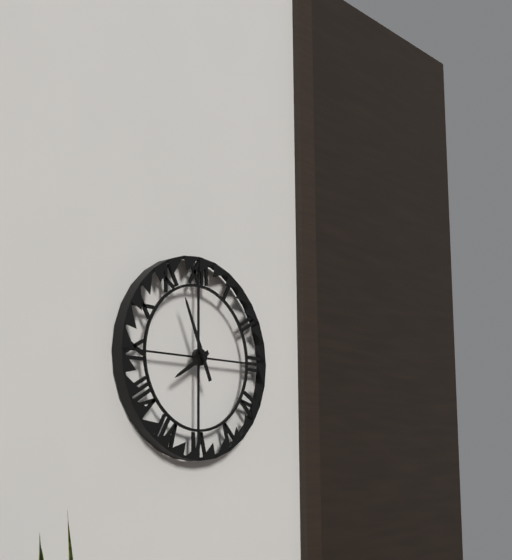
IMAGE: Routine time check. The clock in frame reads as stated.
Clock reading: 7:56
